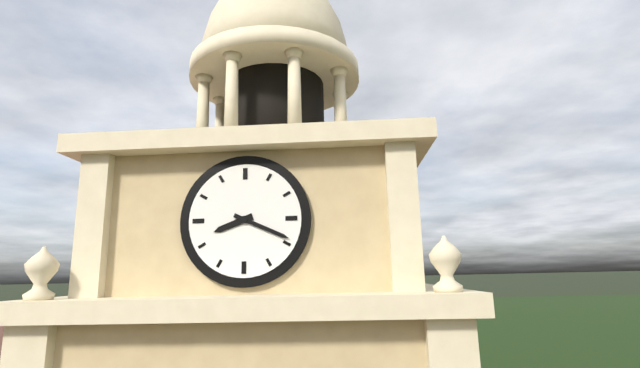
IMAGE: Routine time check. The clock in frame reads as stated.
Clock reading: 8:19
